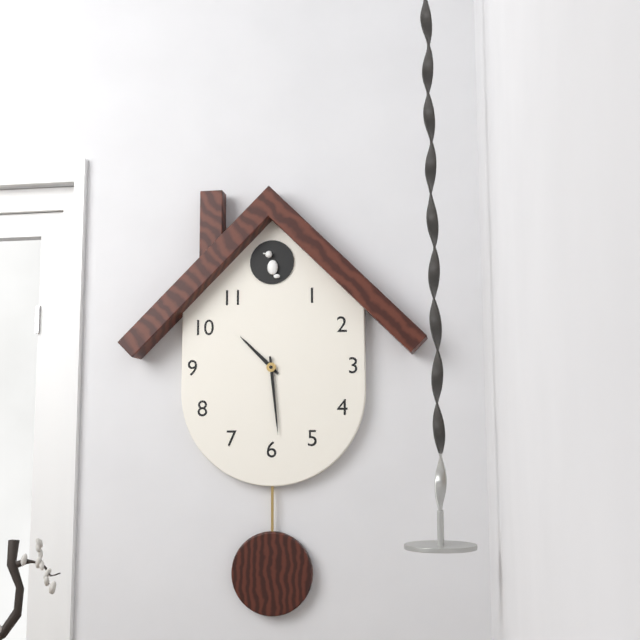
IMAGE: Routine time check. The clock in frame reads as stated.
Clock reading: 10:29
